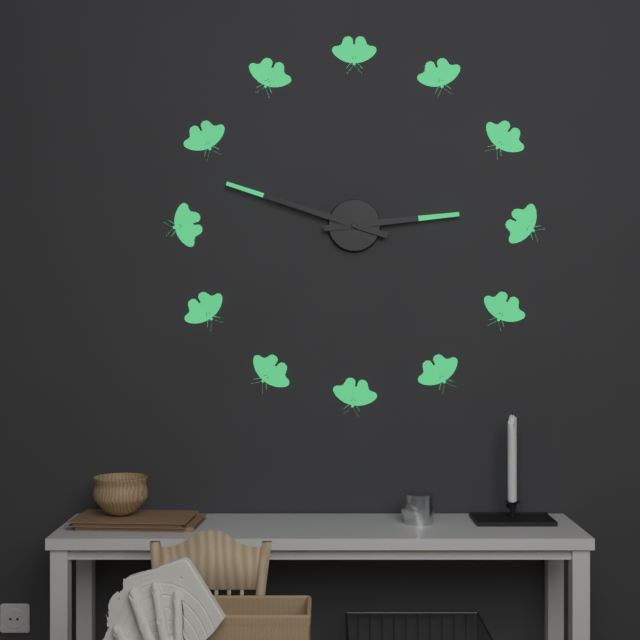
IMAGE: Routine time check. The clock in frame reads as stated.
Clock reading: 2:48
